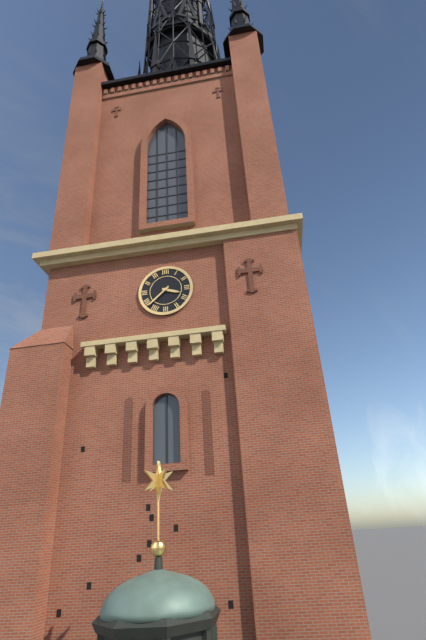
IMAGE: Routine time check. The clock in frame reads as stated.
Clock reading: 3:38
